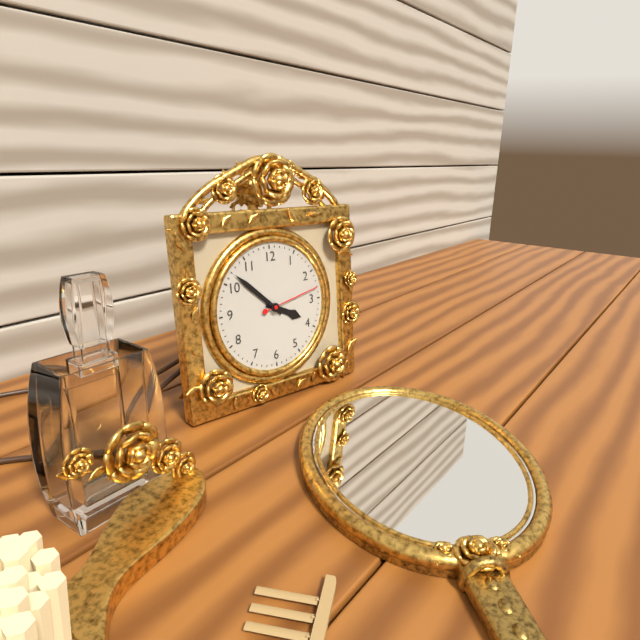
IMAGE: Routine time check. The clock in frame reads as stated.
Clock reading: 3:52:13
